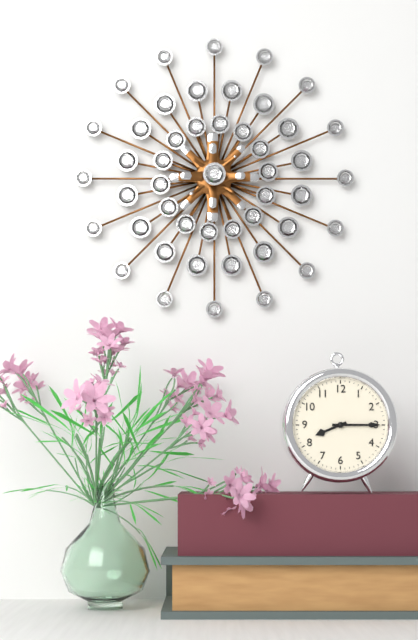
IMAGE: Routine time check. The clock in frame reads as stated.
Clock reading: 8:15
